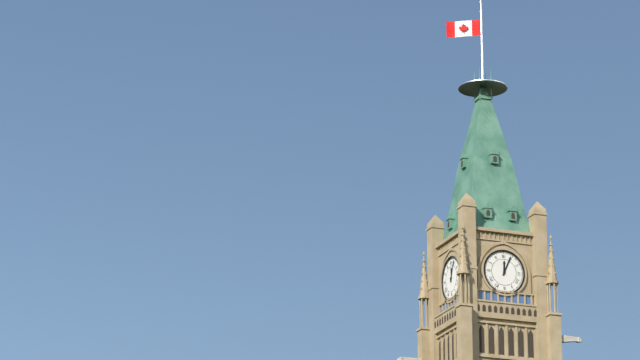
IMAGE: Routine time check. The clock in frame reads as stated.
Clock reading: 12:04
